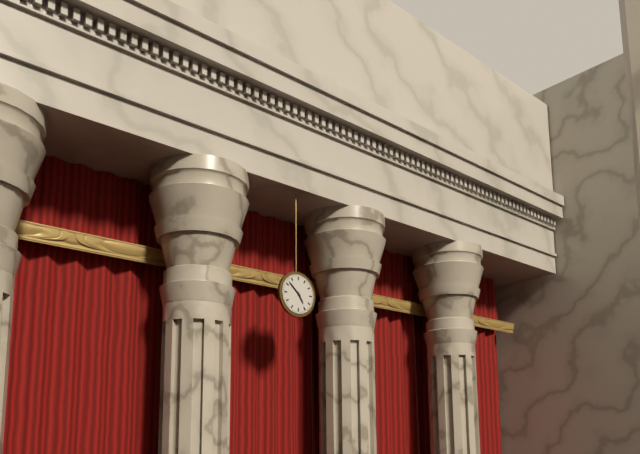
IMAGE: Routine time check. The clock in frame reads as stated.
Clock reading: 4:52
